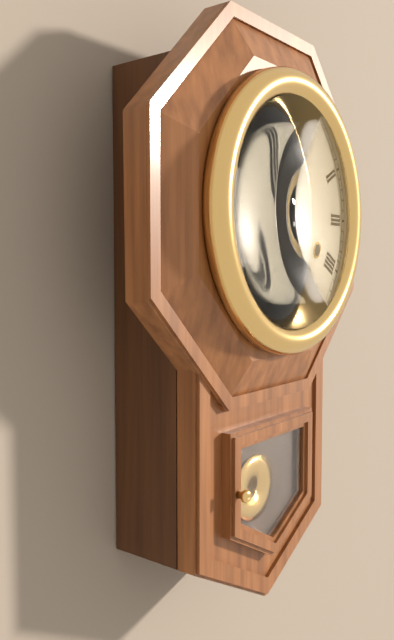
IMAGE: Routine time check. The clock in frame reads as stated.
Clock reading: 12:04
